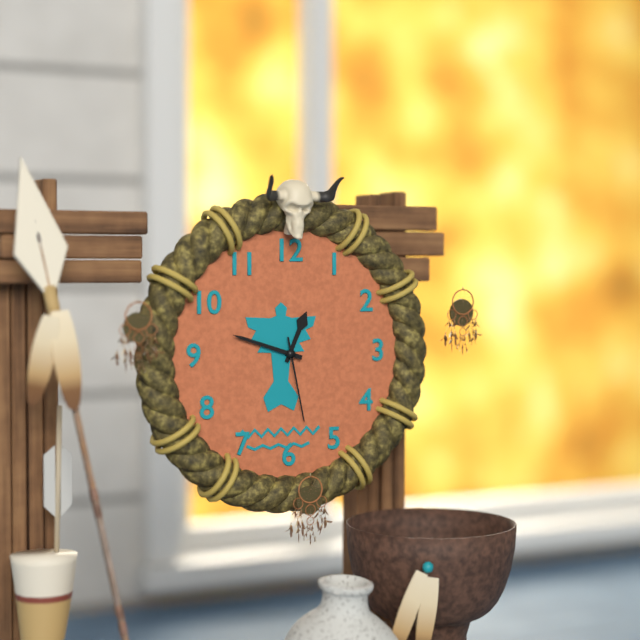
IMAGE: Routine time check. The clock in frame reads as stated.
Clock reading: 12:48:28
